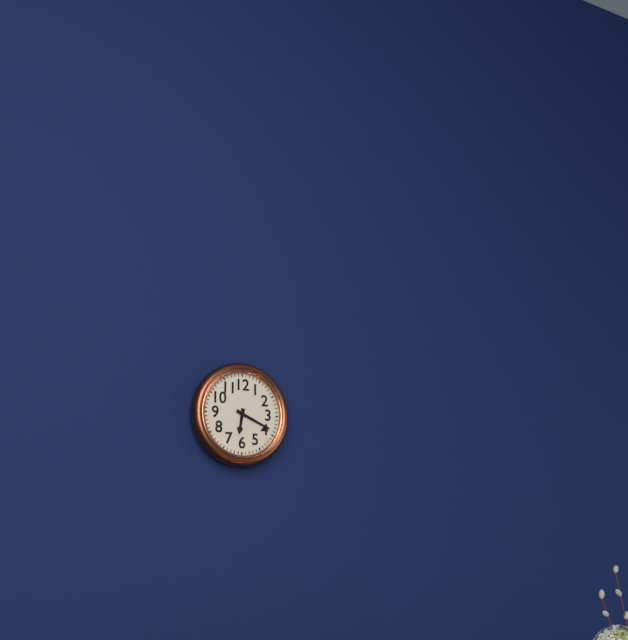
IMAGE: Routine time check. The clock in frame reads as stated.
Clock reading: 6:19
